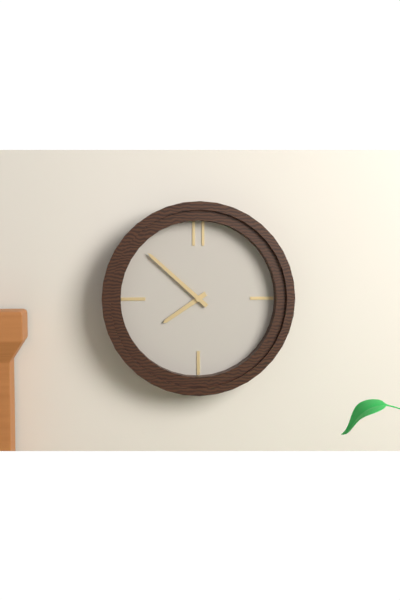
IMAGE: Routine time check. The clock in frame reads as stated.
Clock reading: 7:52
